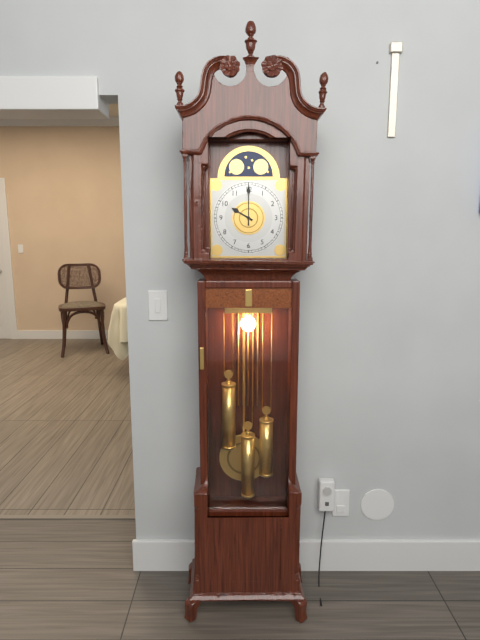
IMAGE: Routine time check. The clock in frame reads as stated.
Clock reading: 10:00
